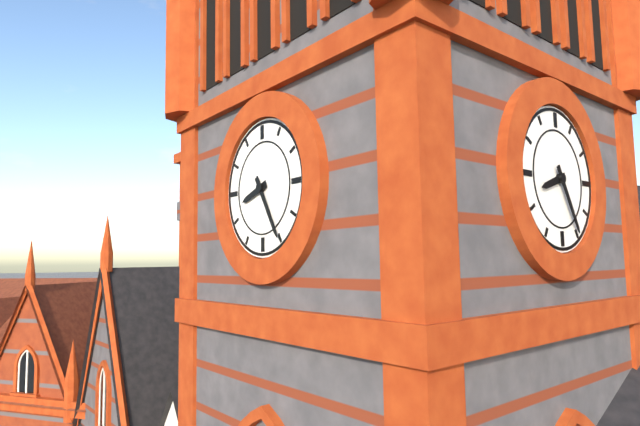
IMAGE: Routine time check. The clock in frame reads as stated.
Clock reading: 8:25
